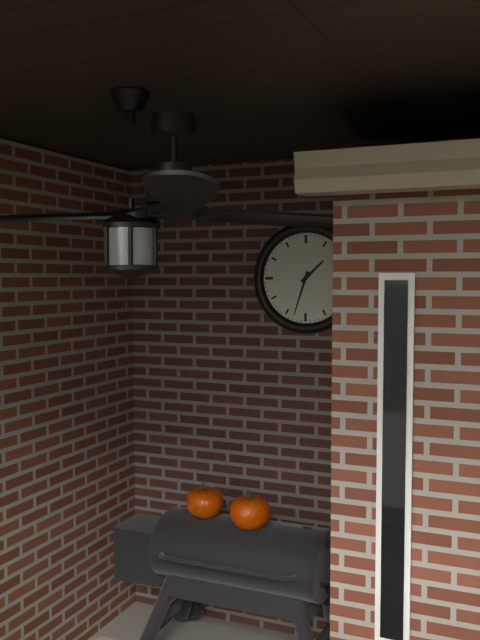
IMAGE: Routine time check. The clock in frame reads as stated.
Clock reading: 1:33
